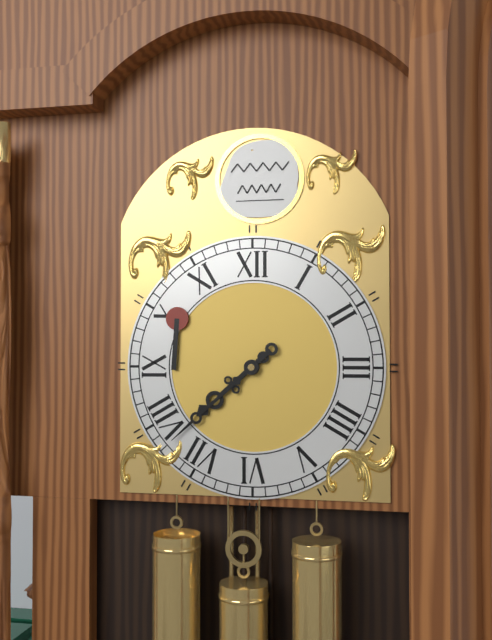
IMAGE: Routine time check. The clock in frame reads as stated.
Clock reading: 7:38
